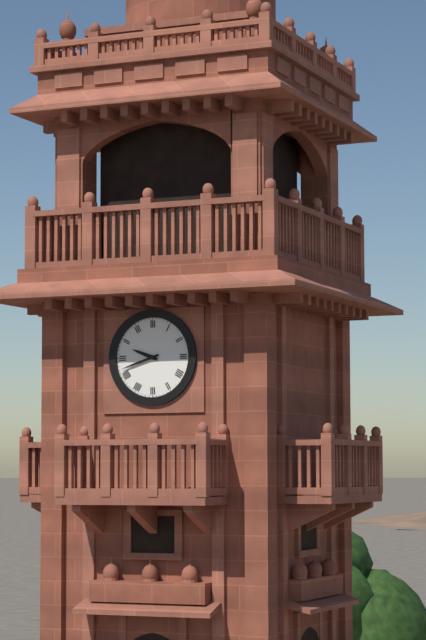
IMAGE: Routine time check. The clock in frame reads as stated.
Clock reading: 9:42
